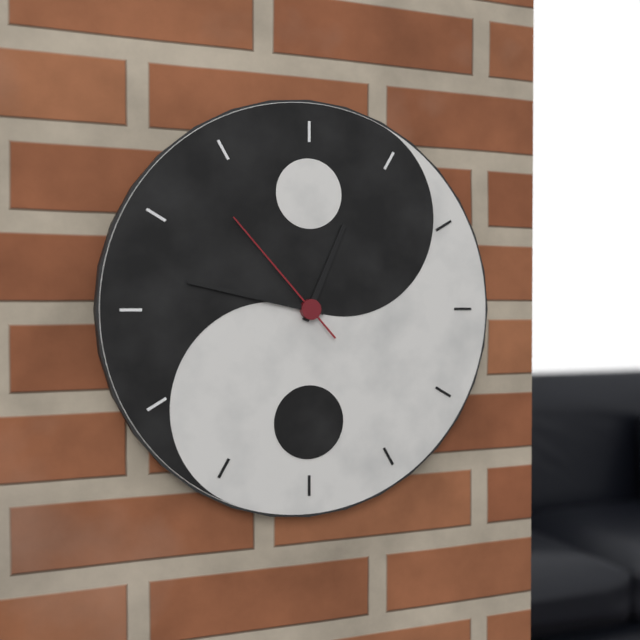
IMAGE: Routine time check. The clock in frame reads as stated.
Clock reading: 12:47:53
